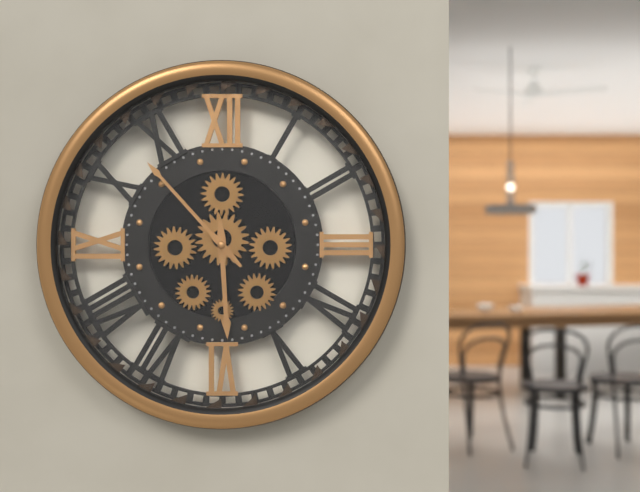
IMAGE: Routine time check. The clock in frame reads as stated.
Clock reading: 5:53
